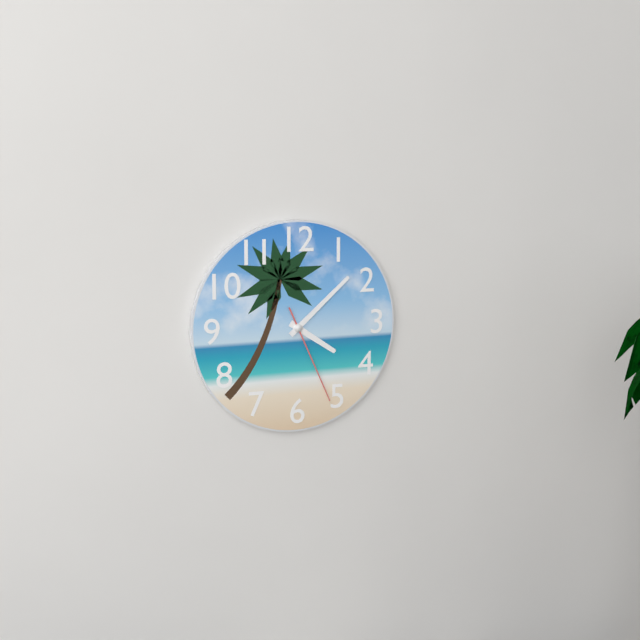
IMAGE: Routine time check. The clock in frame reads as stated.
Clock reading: 4:08:26
